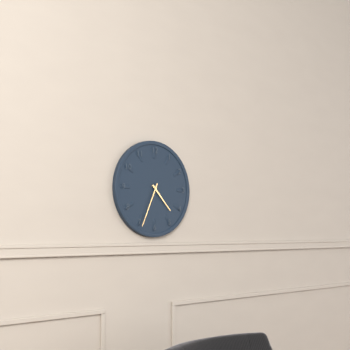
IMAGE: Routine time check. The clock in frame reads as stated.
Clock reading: 4:34
